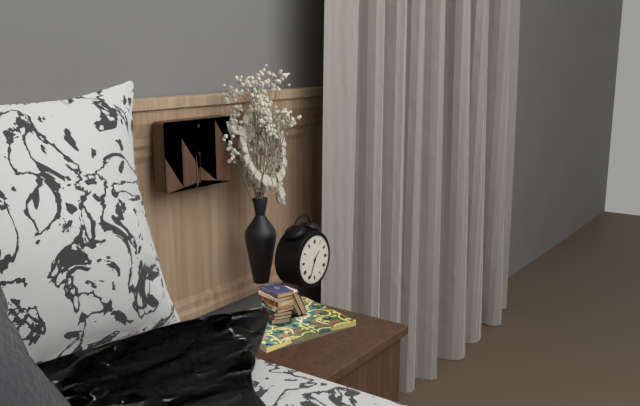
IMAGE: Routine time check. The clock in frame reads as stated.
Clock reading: 1:34
